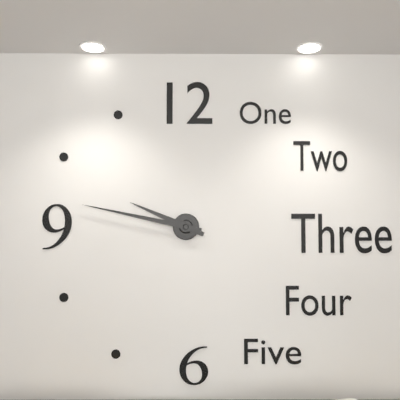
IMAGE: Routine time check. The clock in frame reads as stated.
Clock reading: 9:47
